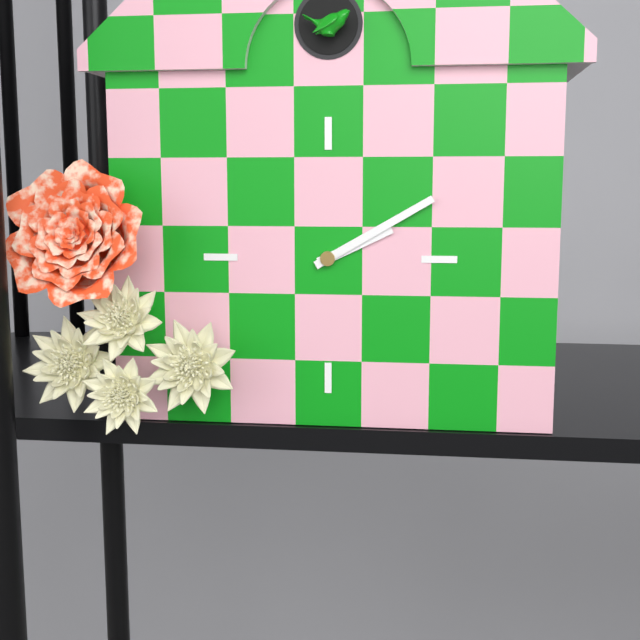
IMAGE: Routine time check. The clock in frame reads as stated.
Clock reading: 2:10
